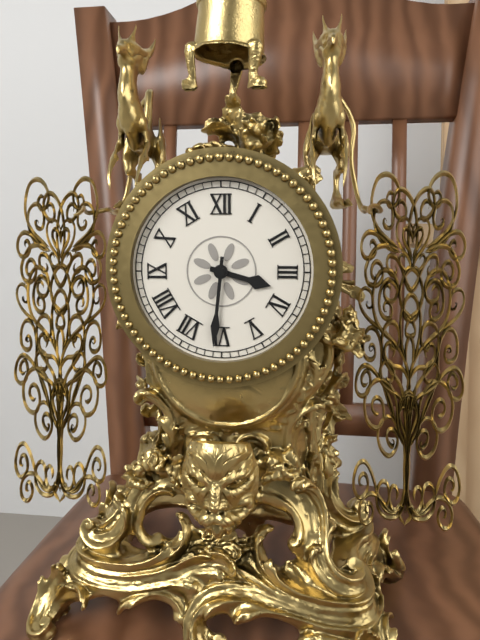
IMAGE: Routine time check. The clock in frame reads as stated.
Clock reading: 3:31
